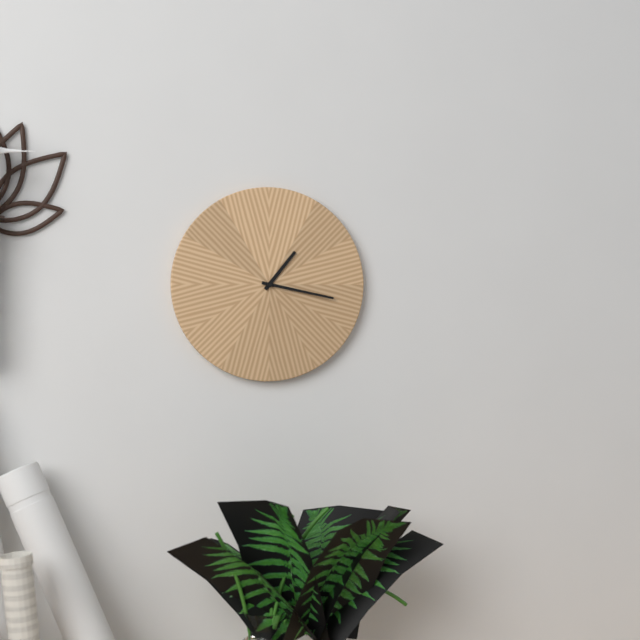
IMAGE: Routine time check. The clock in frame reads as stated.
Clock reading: 1:17
